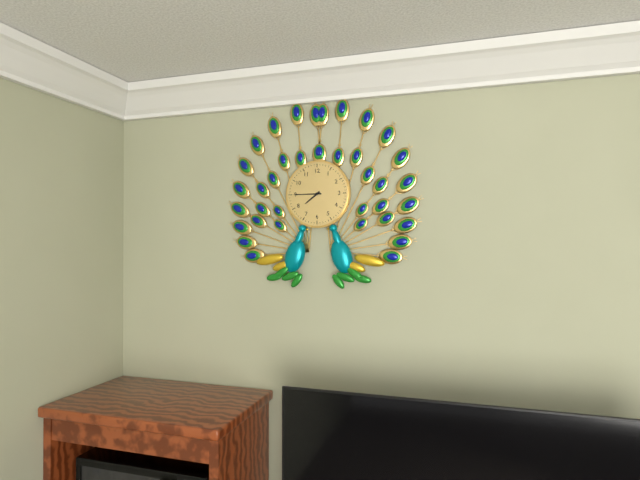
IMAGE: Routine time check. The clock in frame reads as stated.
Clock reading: 7:45
